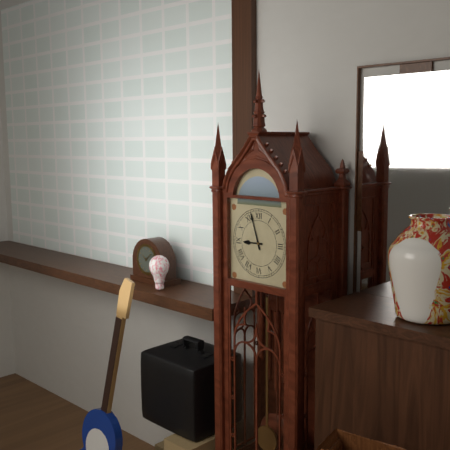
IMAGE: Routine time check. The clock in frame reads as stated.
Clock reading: 8:57
